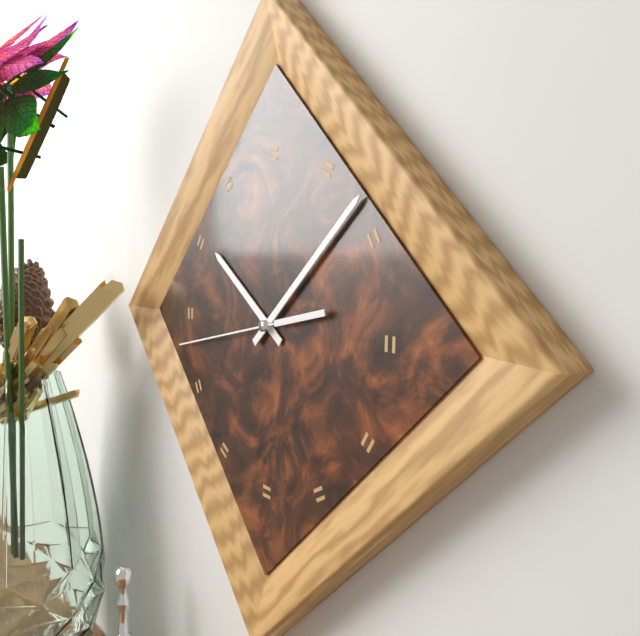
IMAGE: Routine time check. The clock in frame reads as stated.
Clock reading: 10:08:43
